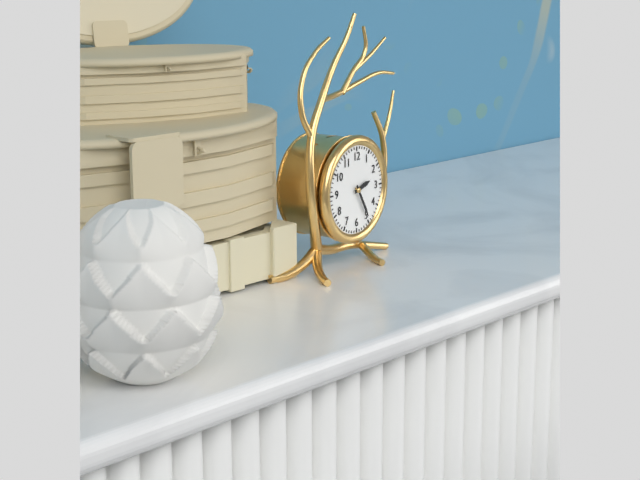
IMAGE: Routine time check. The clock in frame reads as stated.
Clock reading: 2:25
